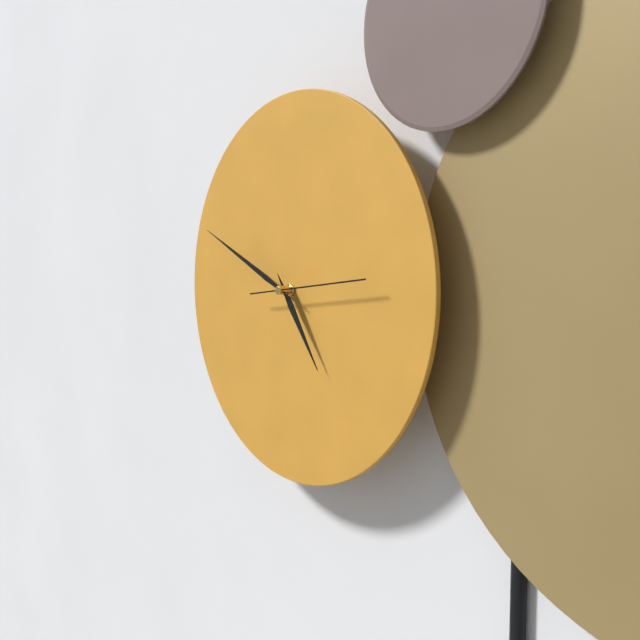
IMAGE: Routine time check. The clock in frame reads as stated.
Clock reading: 4:49:14
